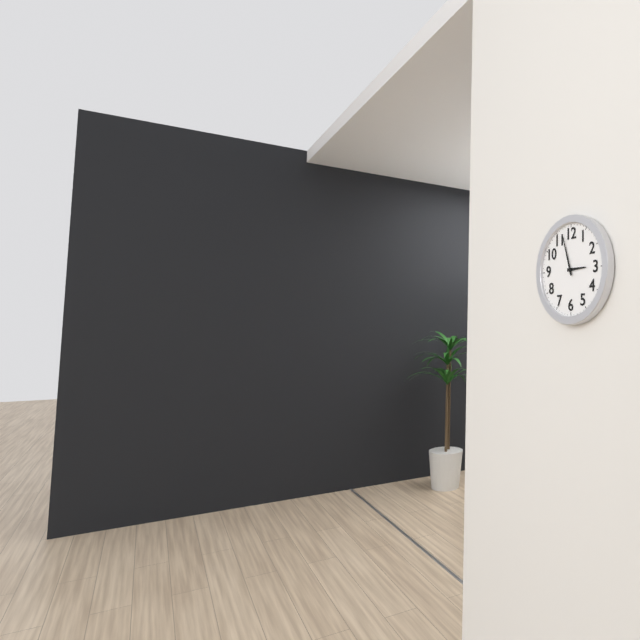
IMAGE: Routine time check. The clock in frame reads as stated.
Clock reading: 2:57
